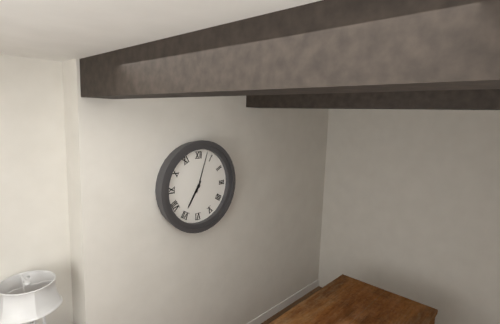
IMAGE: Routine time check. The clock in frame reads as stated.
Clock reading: 7:03
